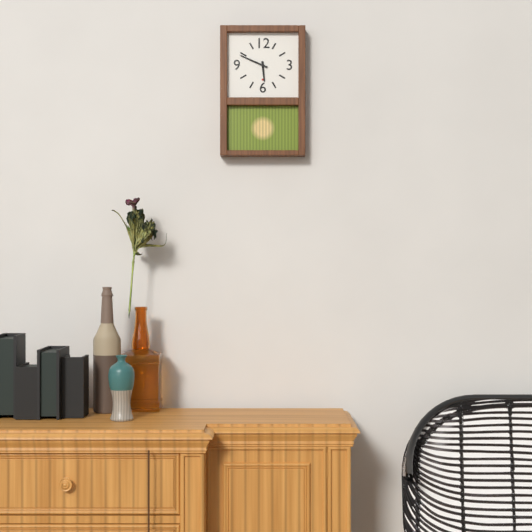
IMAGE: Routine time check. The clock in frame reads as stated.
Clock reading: 5:49
